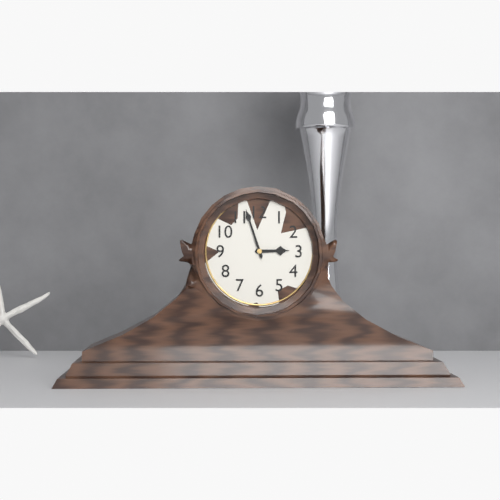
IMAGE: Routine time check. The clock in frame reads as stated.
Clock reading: 2:57
